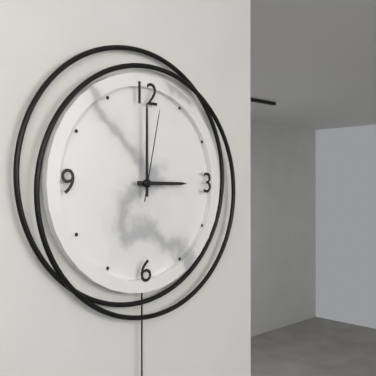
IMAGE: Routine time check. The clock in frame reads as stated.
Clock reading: 3:00:02
